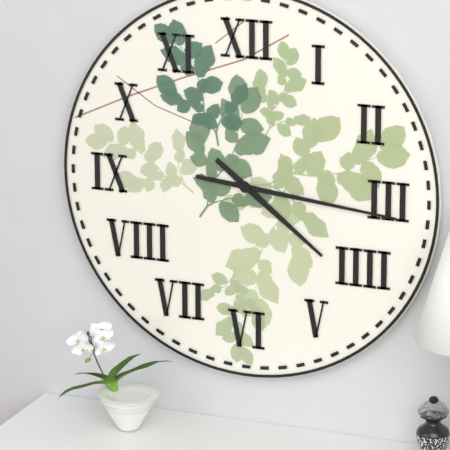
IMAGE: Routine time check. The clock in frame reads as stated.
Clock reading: 4:16
